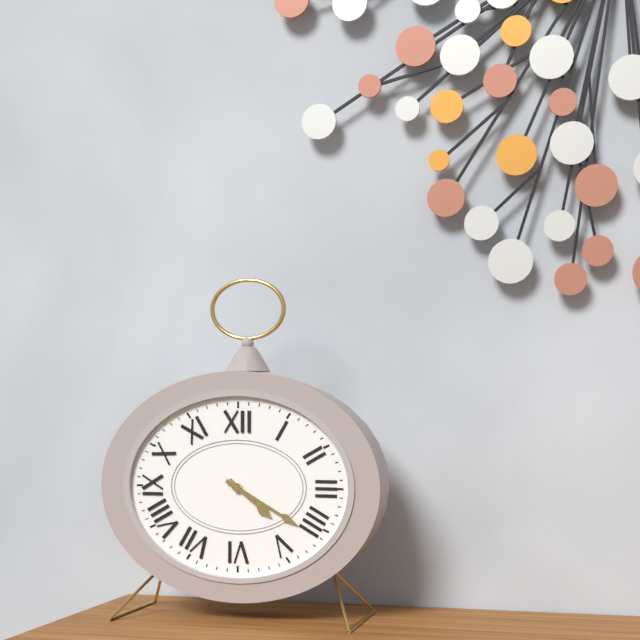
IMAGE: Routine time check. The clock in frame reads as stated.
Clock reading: 4:20
